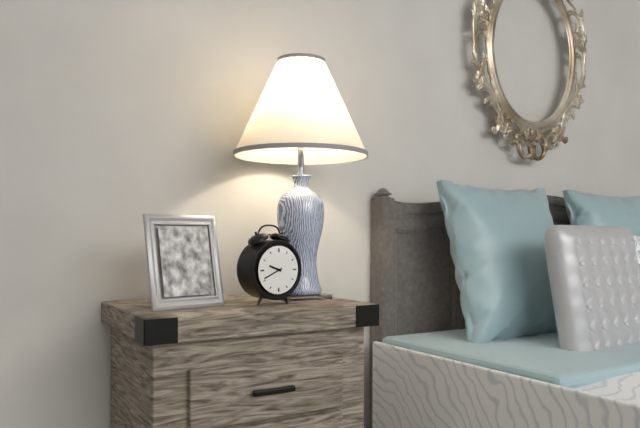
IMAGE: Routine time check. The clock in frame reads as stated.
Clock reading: 9:41
